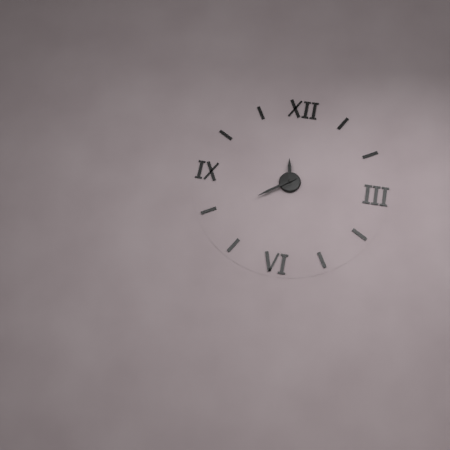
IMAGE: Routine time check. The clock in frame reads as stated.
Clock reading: 11:39
